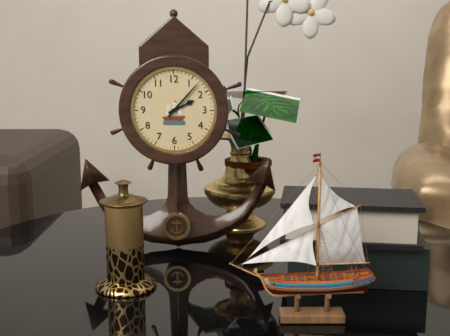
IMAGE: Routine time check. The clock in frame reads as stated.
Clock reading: 2:07
